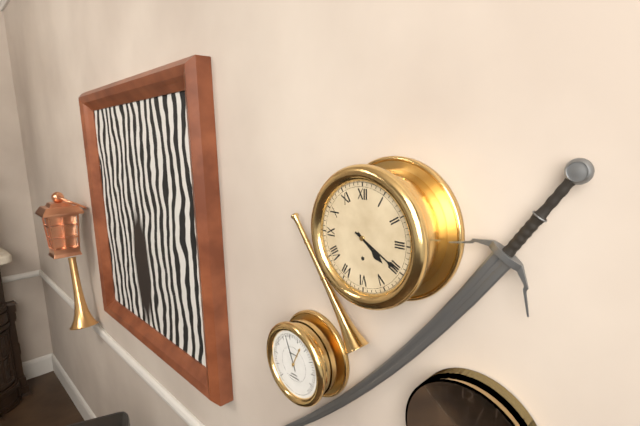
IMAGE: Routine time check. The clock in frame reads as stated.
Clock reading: 4:20
